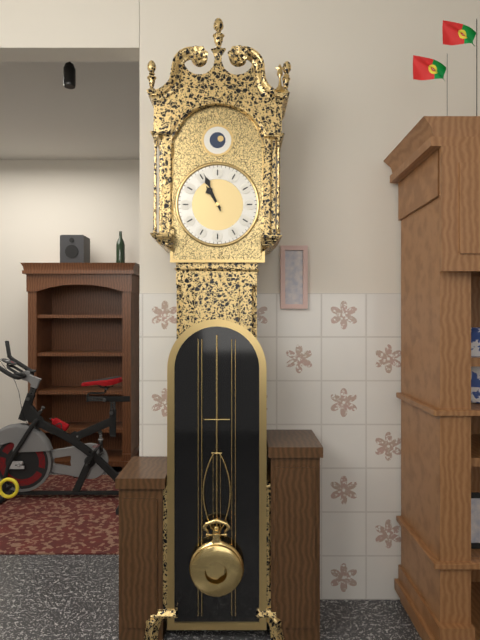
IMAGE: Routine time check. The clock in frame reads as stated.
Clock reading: 10:56
